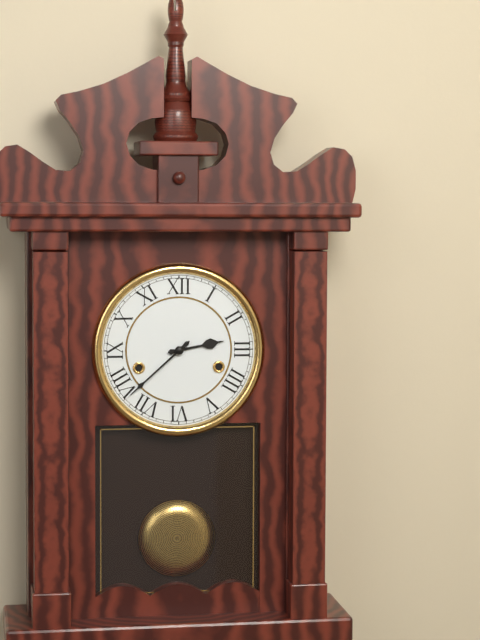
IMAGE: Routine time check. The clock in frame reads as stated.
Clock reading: 2:38
